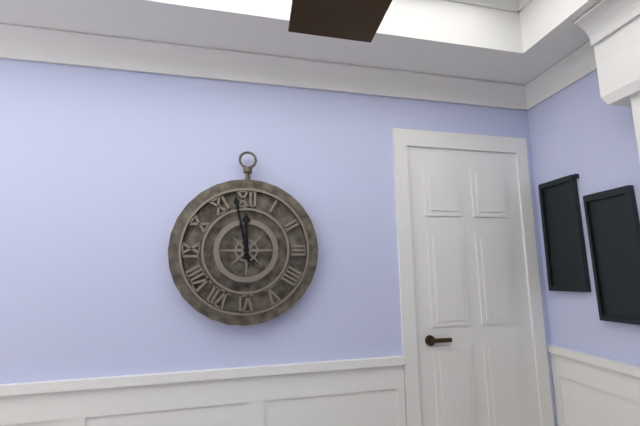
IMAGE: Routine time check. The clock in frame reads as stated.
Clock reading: 11:58
